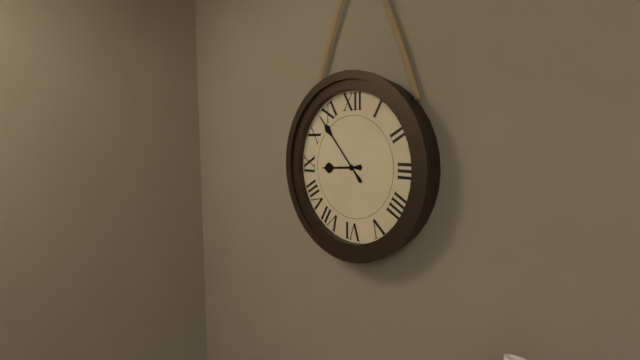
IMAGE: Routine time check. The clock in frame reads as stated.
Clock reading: 8:53
